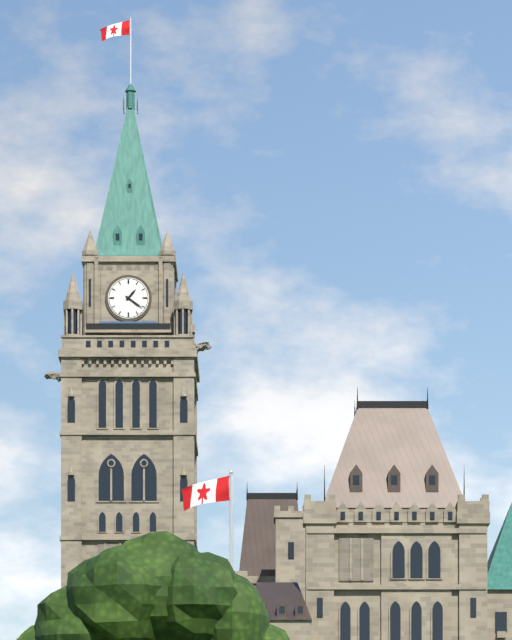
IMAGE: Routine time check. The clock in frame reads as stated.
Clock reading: 1:21
